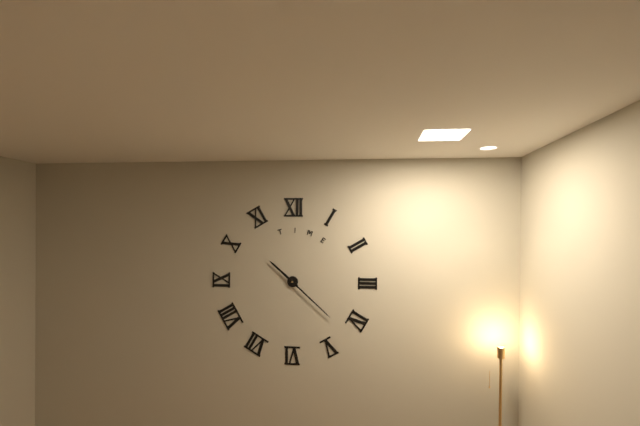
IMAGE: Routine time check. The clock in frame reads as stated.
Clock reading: 10:22
